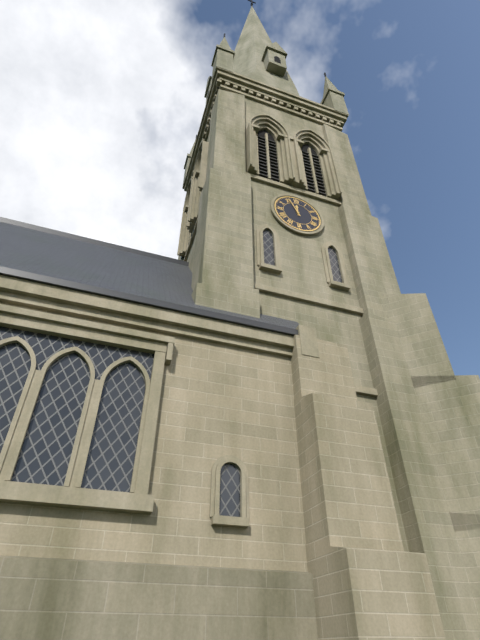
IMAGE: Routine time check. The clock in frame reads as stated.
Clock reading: 11:56
